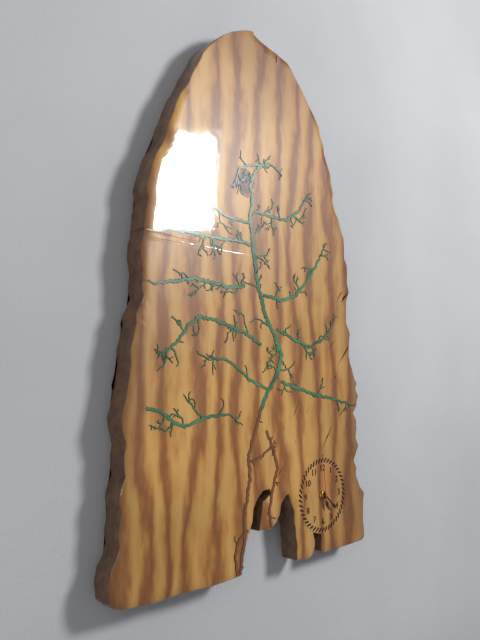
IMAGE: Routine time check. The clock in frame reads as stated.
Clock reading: 5:22
